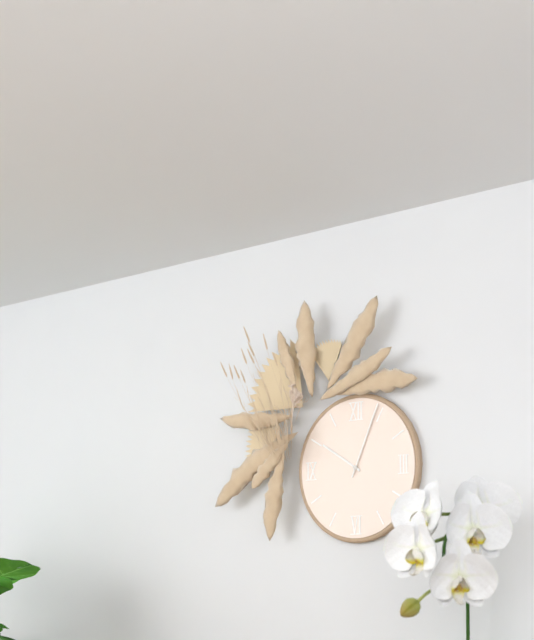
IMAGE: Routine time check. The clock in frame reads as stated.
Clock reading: 10:04
